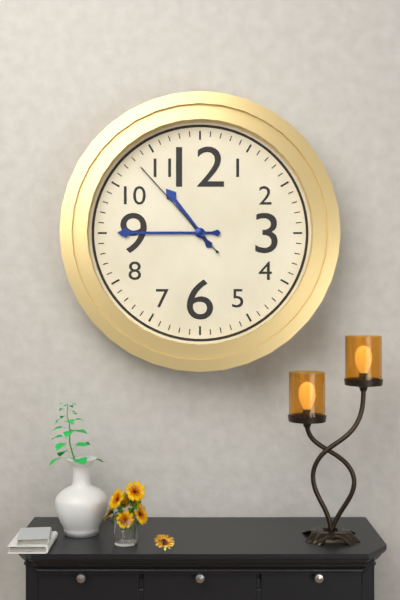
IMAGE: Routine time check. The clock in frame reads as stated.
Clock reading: 10:45:53
